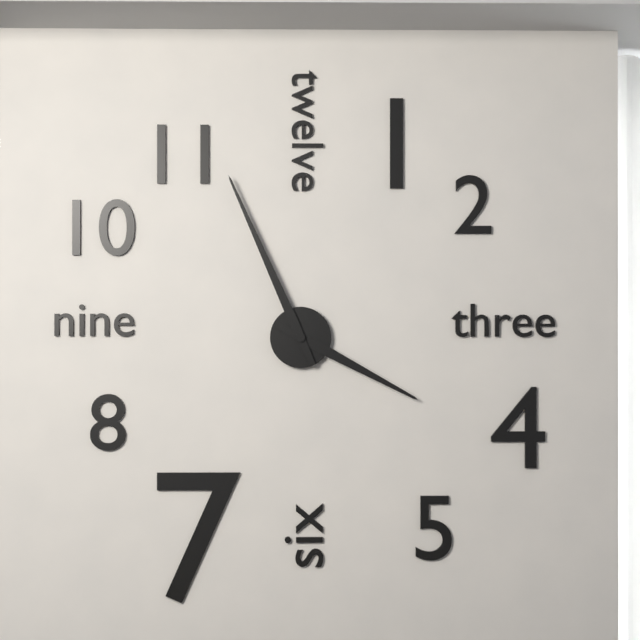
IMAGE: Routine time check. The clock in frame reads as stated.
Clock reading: 3:56
